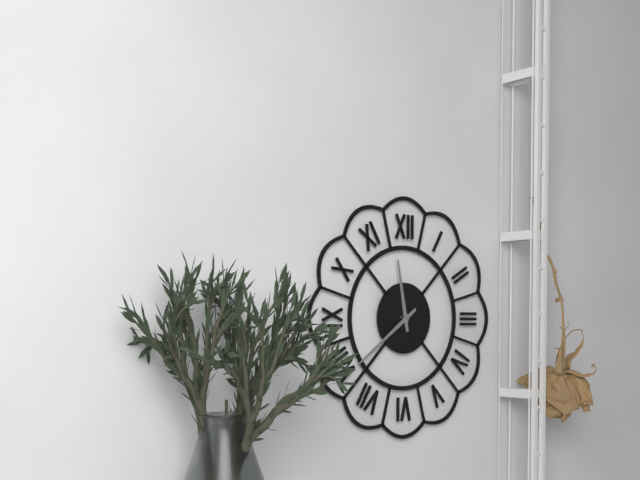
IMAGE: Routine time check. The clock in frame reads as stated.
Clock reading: 11:39
